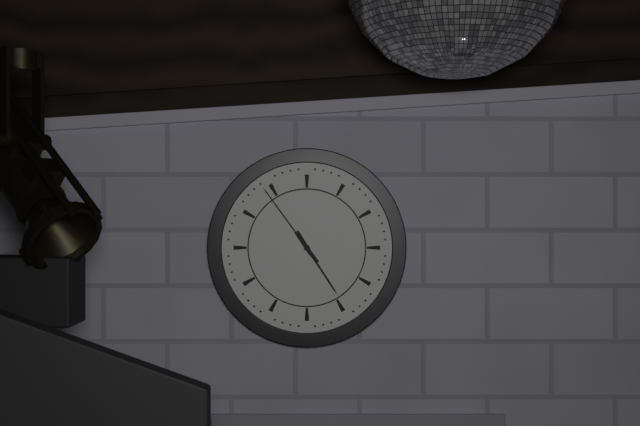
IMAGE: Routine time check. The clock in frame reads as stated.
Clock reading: 4:54
